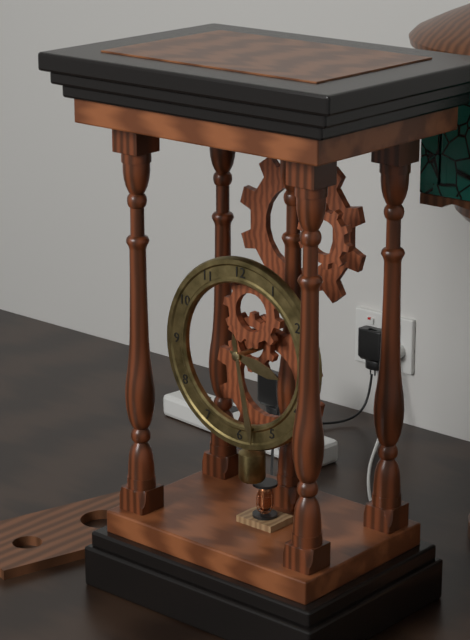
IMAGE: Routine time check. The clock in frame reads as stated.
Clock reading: 3:28
